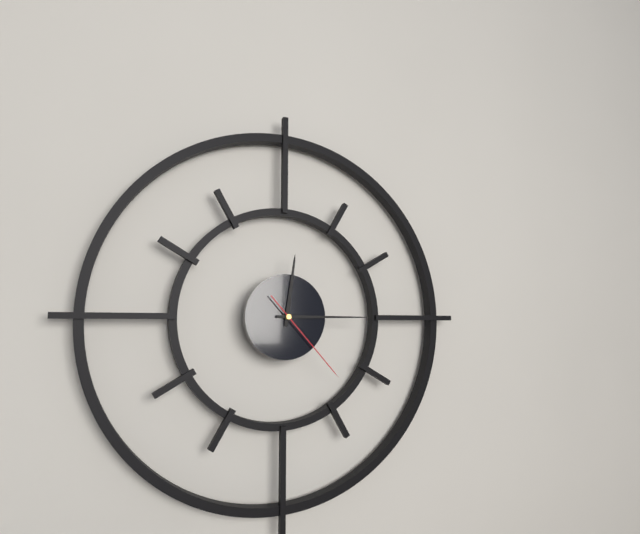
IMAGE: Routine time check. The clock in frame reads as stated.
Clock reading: 12:15:23
